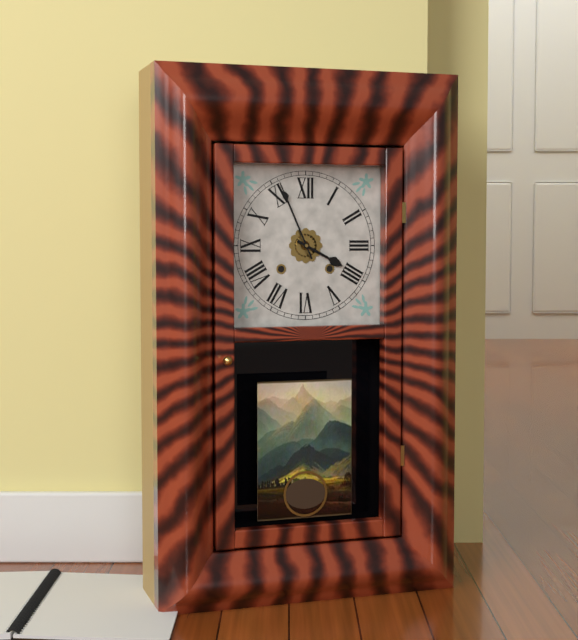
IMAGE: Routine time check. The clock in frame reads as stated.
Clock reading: 3:56
